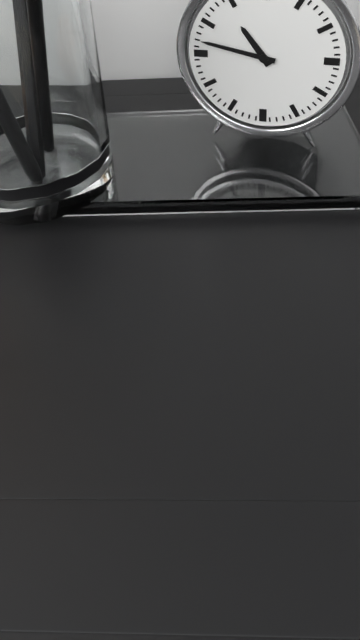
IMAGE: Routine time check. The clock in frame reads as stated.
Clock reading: 10:47
